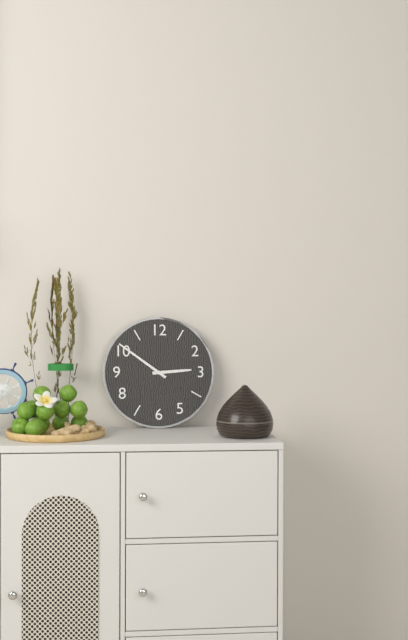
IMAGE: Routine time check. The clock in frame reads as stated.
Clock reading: 2:51
